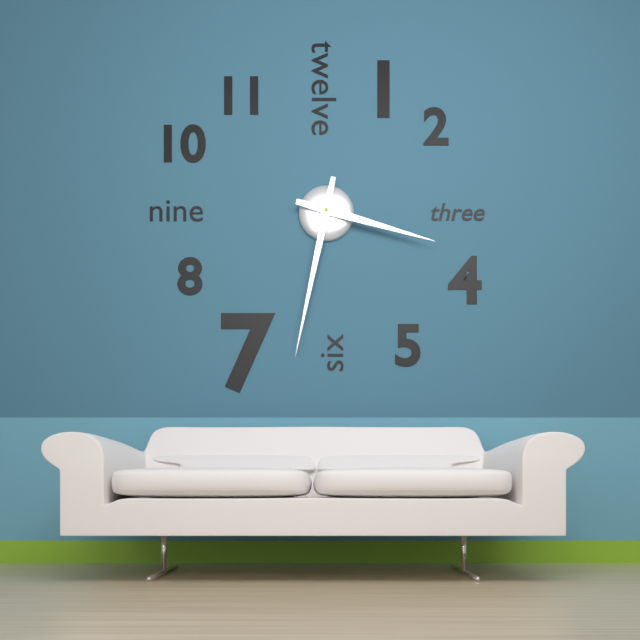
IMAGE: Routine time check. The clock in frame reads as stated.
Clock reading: 3:32
